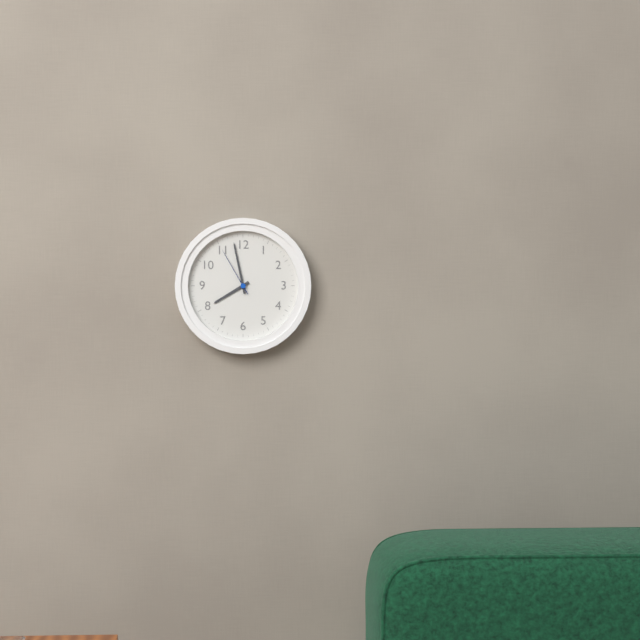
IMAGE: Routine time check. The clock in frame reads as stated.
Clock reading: 7:58:55
